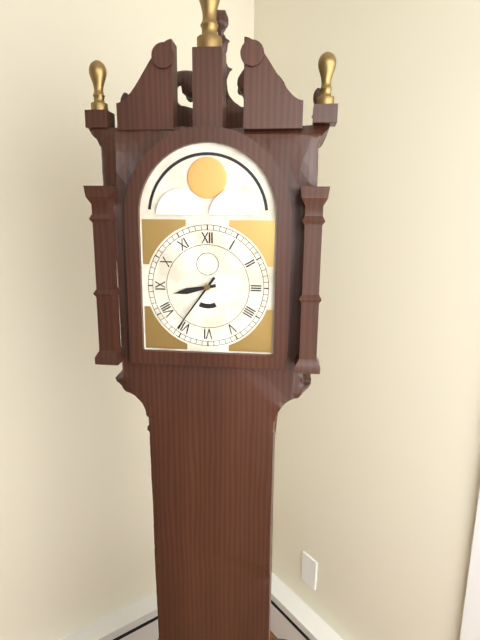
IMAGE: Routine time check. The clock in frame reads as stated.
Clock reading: 8:36
